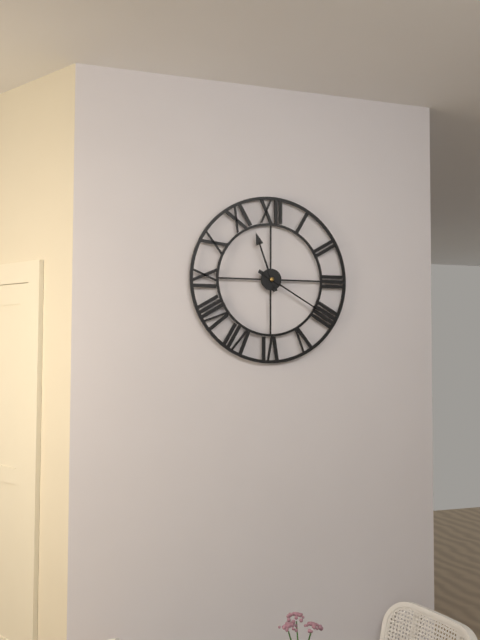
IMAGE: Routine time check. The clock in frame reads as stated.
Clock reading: 11:20
